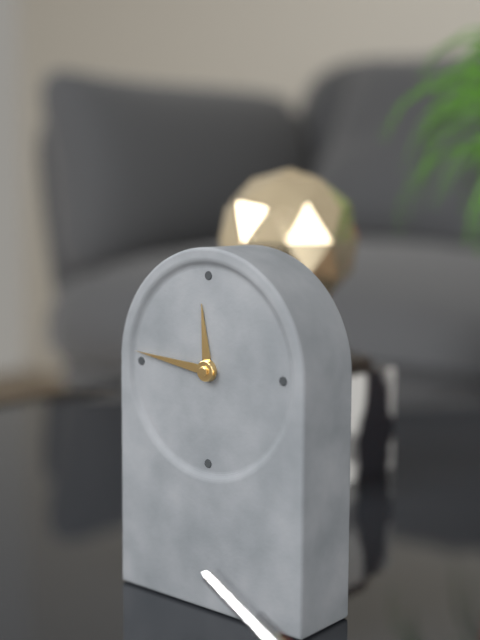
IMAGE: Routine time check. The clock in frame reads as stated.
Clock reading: 11:46
